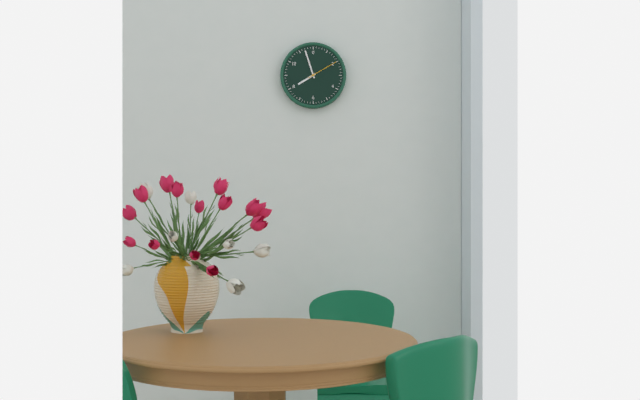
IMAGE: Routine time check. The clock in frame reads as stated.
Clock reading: 7:57
